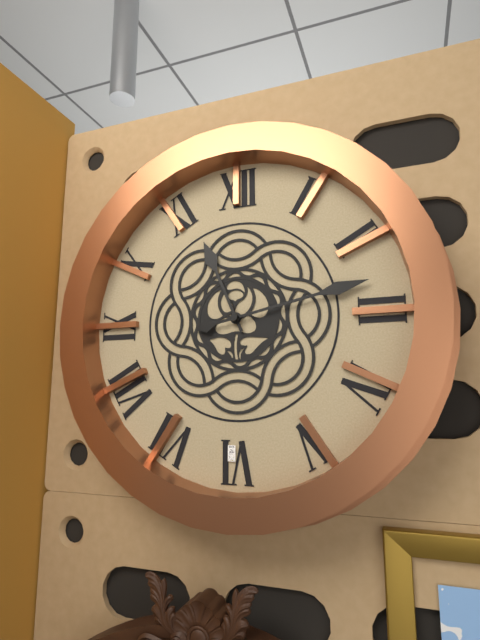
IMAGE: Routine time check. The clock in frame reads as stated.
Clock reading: 11:13
